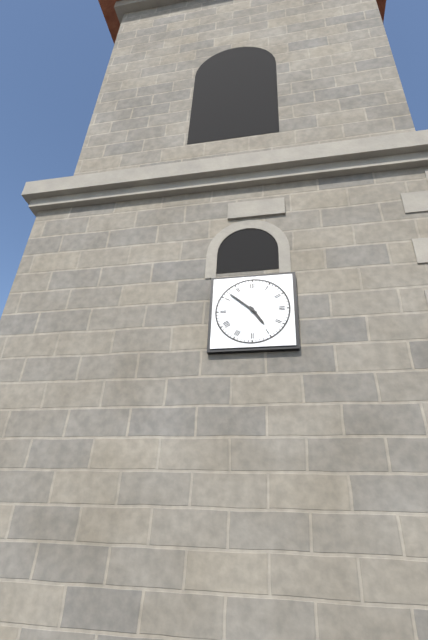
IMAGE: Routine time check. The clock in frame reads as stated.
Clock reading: 4:52
